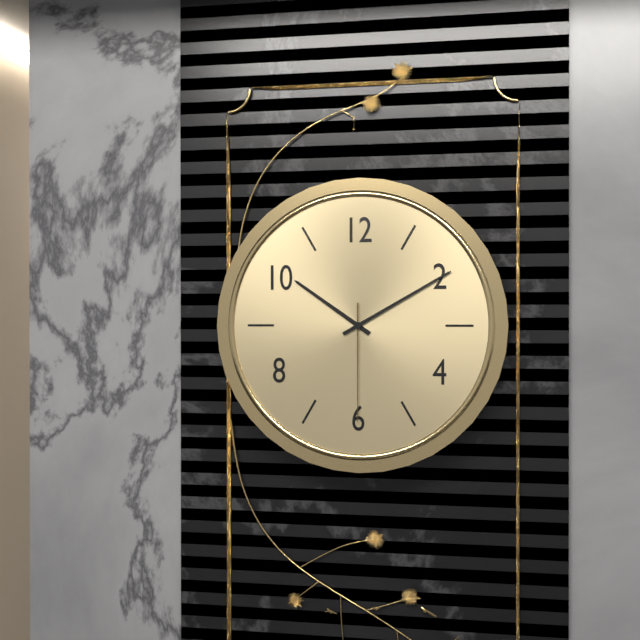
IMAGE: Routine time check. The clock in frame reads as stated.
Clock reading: 10:10:30
